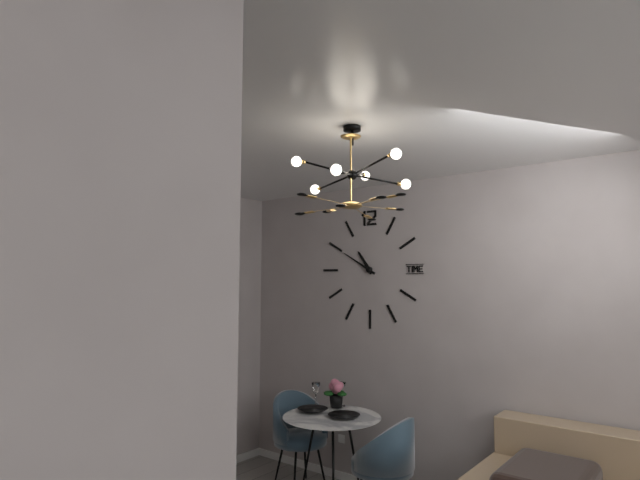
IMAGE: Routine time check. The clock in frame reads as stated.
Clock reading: 10:50
